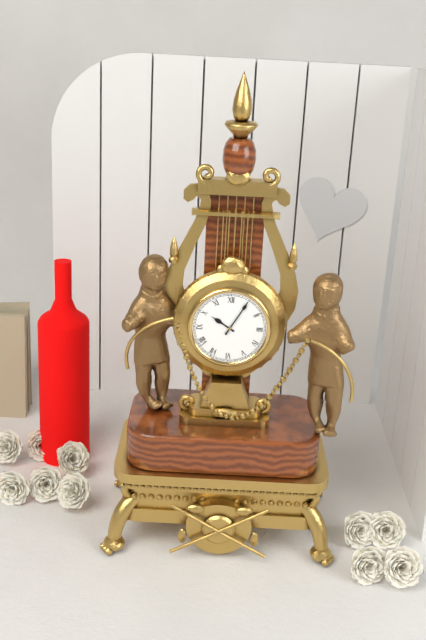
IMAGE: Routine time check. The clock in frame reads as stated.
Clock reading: 10:05
